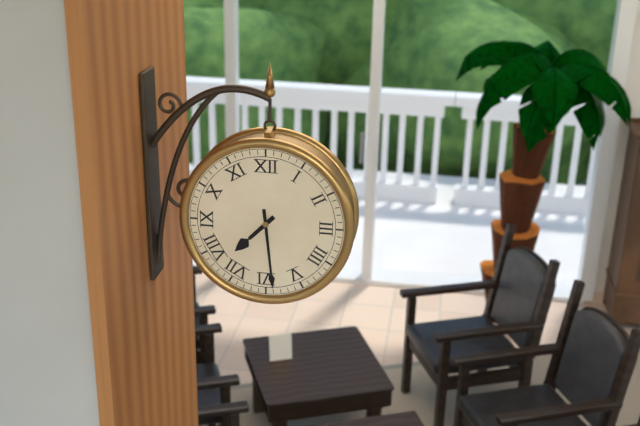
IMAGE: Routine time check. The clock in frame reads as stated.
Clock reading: 7:29
